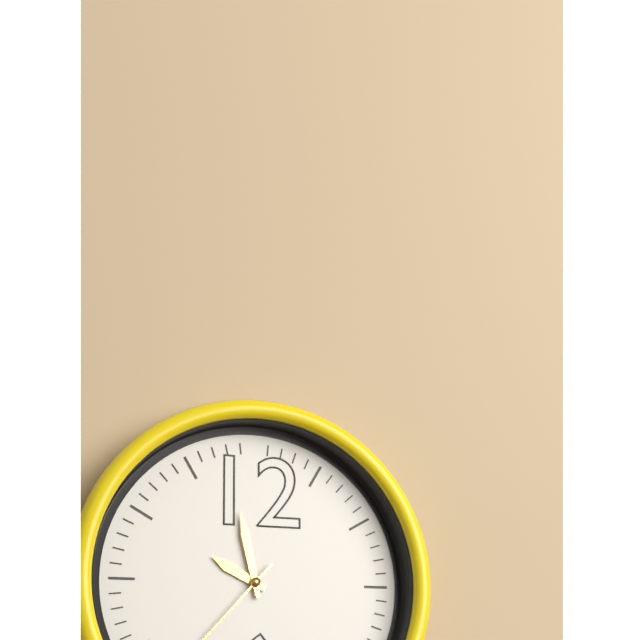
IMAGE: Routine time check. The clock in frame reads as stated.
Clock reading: 9:58
